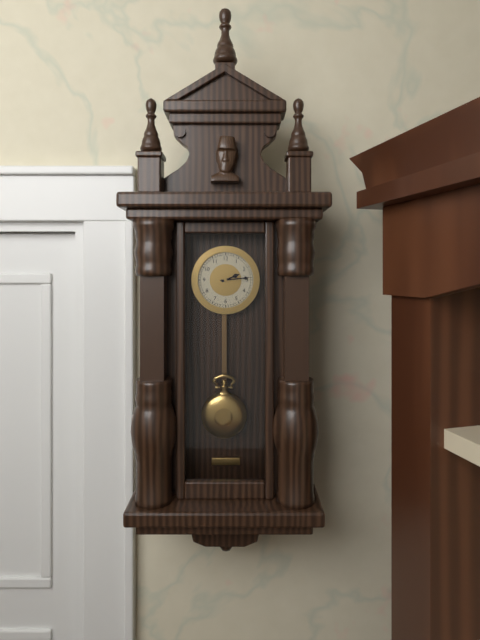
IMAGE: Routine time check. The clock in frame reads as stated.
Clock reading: 2:14
